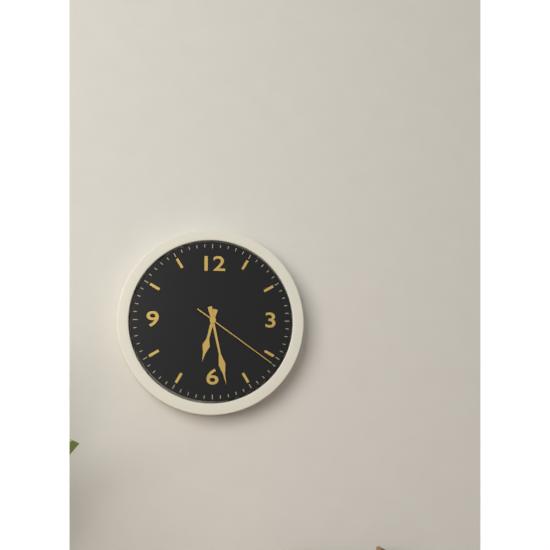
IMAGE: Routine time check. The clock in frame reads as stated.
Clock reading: 6:28:21
